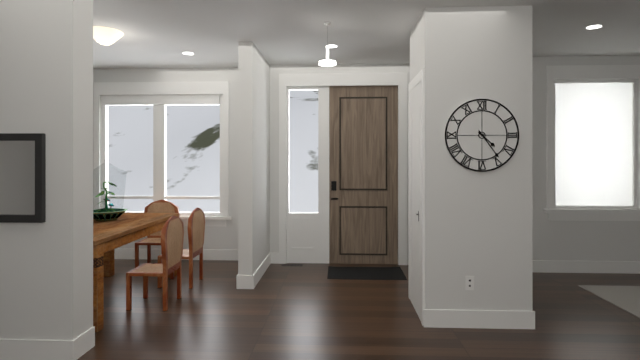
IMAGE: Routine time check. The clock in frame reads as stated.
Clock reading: 4:24
